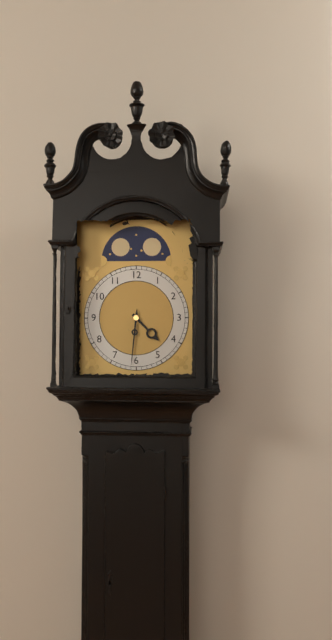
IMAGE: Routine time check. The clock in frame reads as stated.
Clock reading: 4:31
